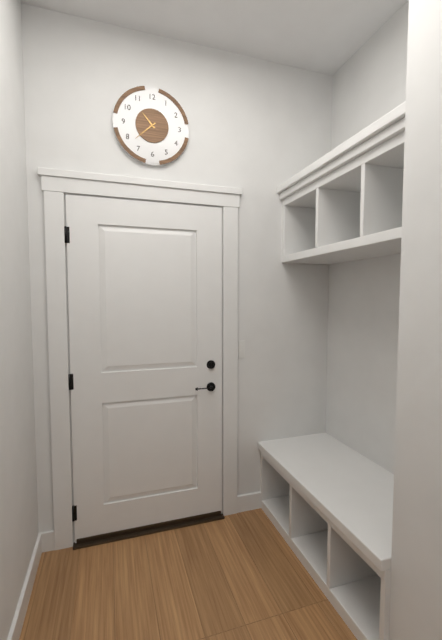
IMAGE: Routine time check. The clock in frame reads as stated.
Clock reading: 10:38
